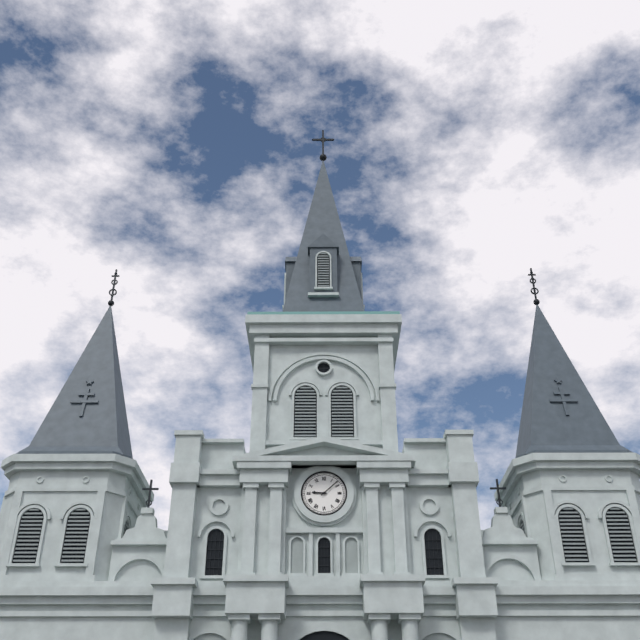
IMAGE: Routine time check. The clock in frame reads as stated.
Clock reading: 9:08
